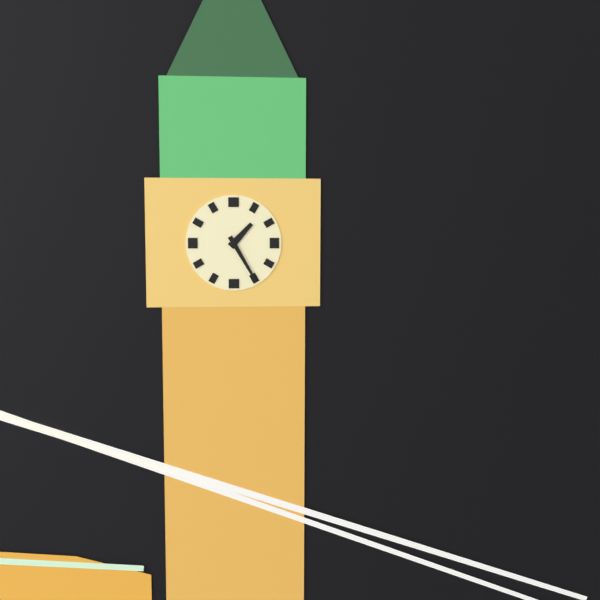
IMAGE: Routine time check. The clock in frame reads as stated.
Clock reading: 1:25
